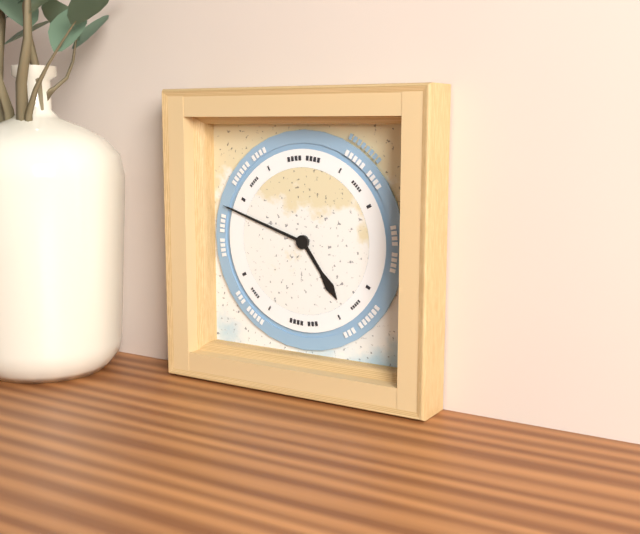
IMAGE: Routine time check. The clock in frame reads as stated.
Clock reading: 4:48
